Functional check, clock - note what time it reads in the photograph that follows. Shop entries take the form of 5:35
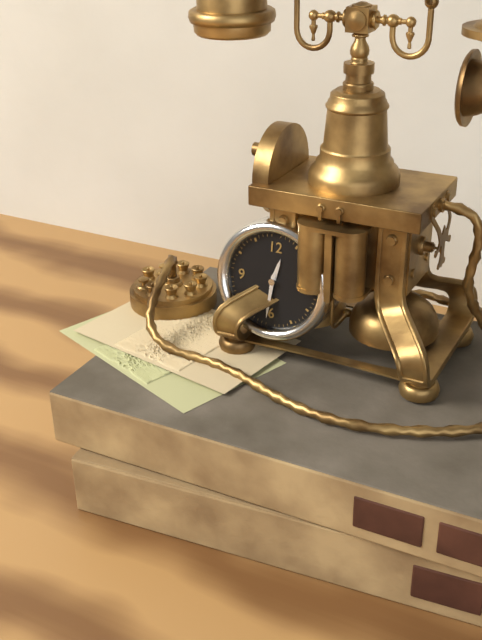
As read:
12:31
